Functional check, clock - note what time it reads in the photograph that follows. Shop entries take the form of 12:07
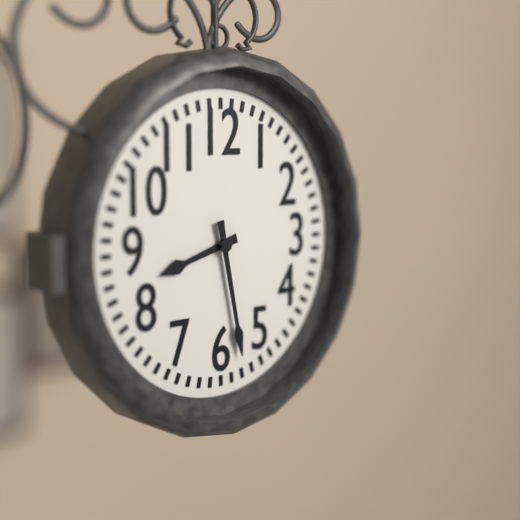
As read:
8:28
